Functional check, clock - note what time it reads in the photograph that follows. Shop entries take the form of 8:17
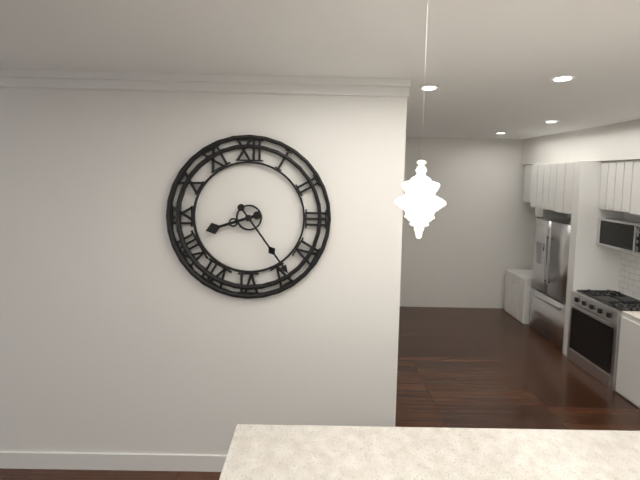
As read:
8:24
